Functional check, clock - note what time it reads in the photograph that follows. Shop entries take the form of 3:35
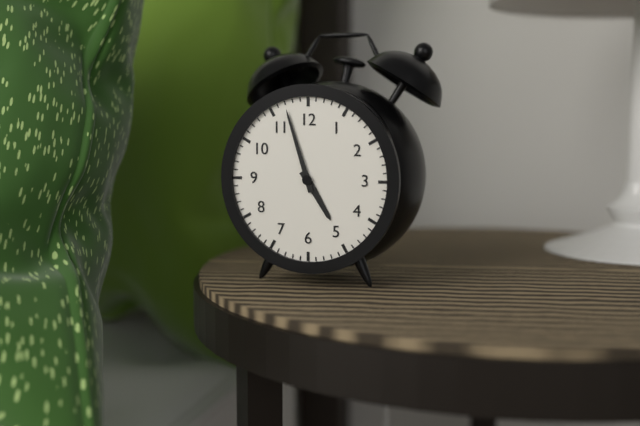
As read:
4:57
